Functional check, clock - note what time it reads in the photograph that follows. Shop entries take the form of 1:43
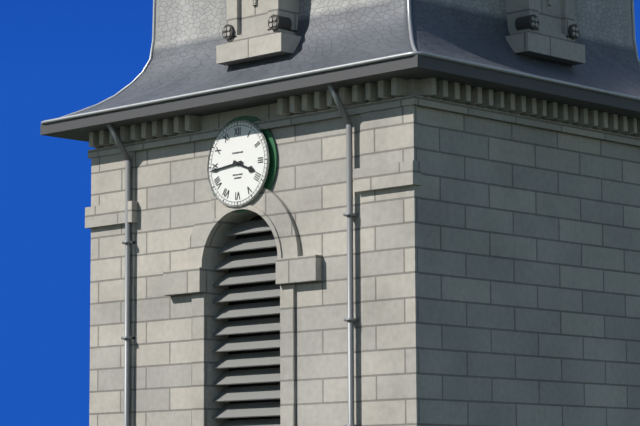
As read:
3:44
